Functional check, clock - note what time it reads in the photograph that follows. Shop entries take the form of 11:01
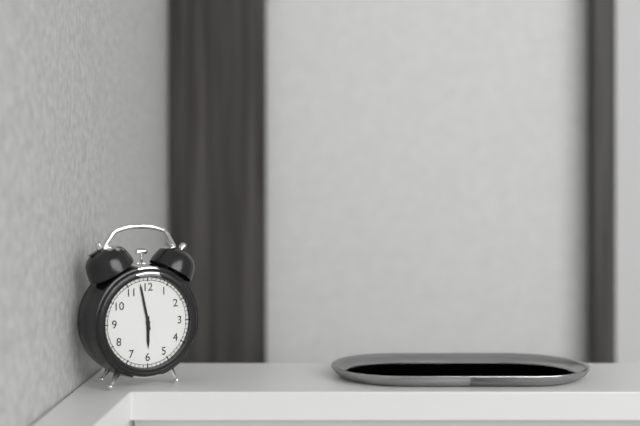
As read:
5:58
